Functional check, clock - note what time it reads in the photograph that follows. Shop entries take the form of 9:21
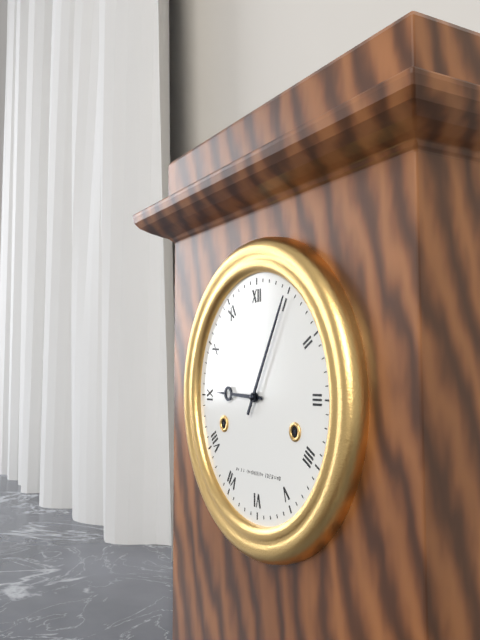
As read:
9:05
